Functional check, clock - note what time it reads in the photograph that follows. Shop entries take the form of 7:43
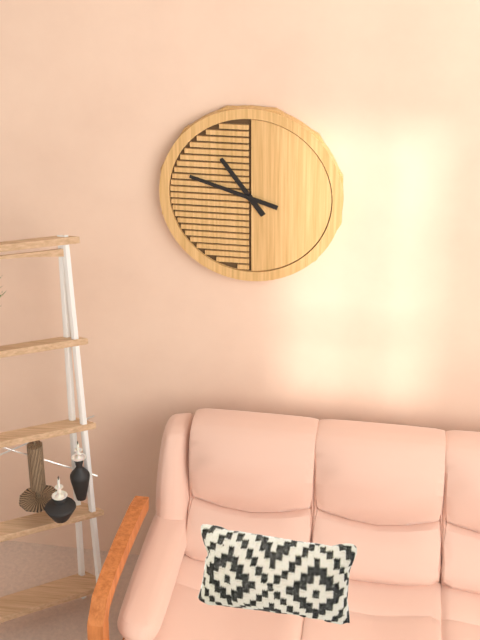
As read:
10:48
